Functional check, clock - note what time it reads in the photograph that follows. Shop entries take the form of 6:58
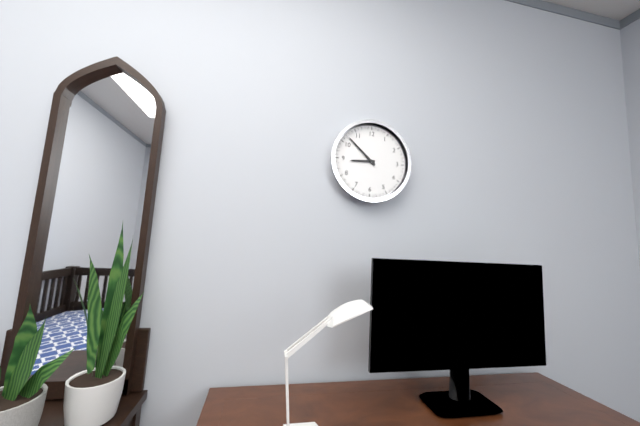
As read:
8:52
